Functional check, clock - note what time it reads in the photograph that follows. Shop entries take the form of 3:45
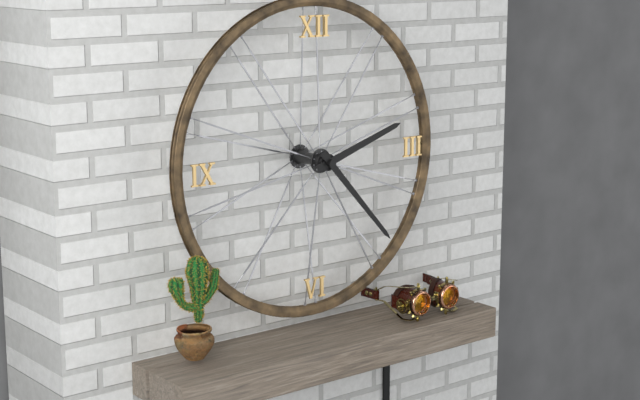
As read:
2:23
